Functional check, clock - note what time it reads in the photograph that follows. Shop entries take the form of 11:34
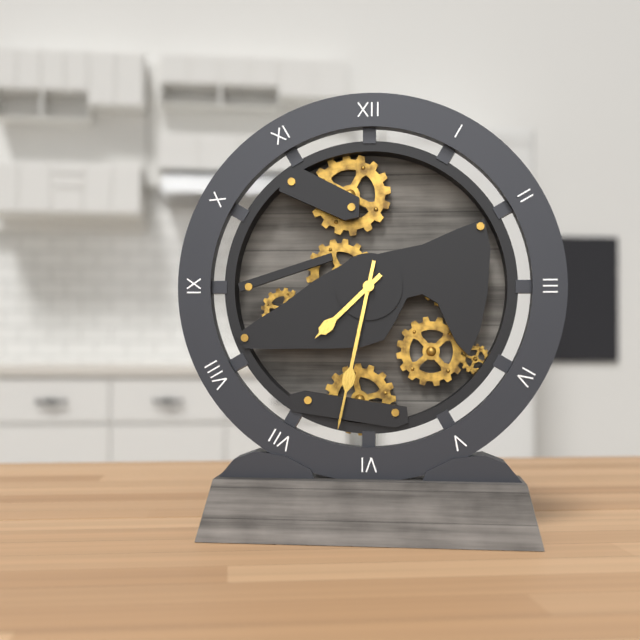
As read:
7:32
